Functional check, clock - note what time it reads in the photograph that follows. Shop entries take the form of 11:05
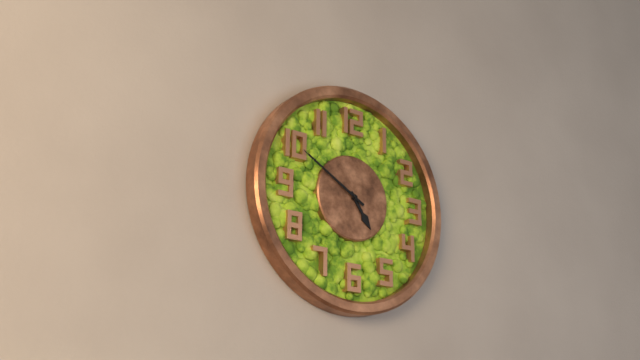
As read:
4:50
